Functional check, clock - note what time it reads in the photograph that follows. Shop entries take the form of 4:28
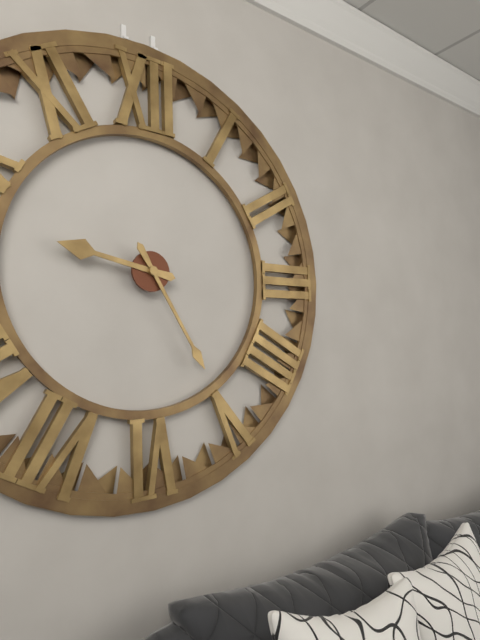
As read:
9:25
